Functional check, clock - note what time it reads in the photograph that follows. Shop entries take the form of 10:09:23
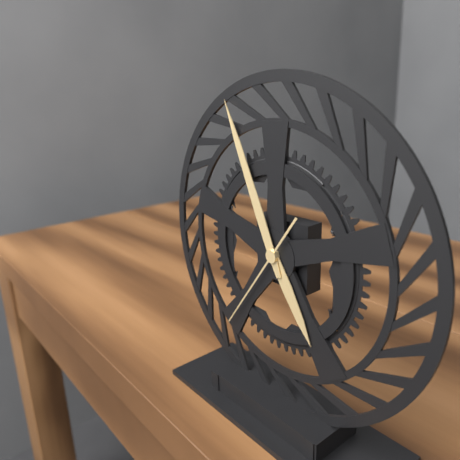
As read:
4:56:36
